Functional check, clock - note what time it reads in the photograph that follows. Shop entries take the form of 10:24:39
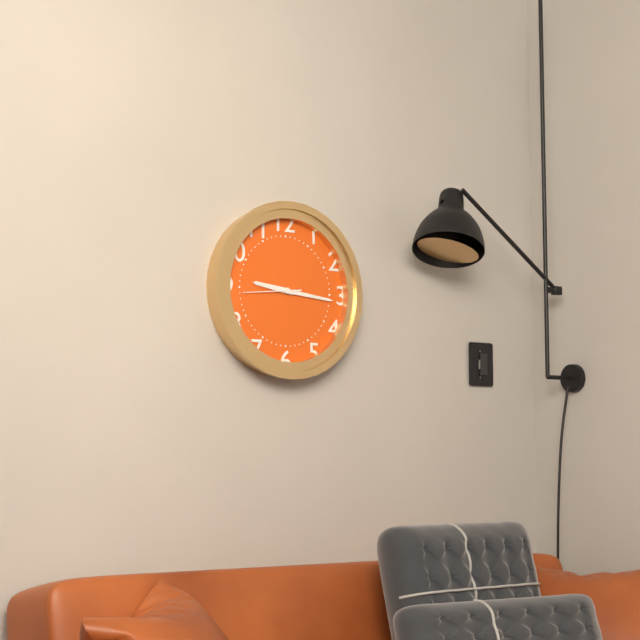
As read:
9:16:44
